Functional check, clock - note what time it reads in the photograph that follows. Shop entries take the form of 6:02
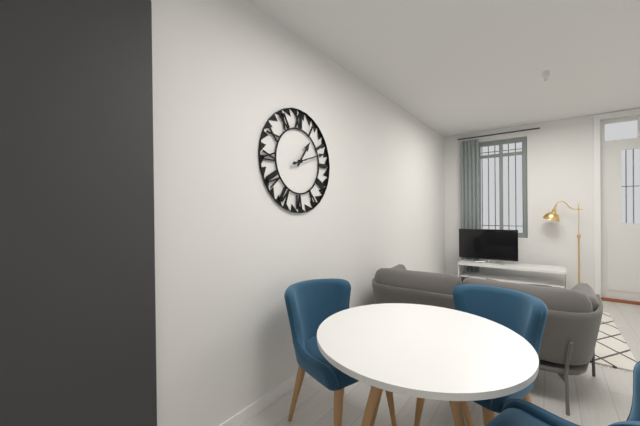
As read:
1:12
